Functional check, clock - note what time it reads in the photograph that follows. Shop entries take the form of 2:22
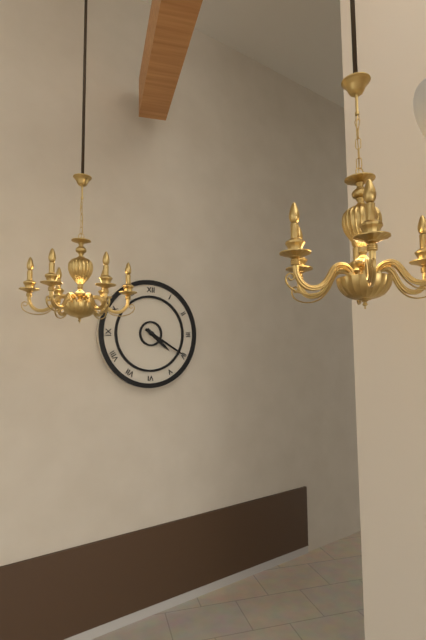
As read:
4:20
